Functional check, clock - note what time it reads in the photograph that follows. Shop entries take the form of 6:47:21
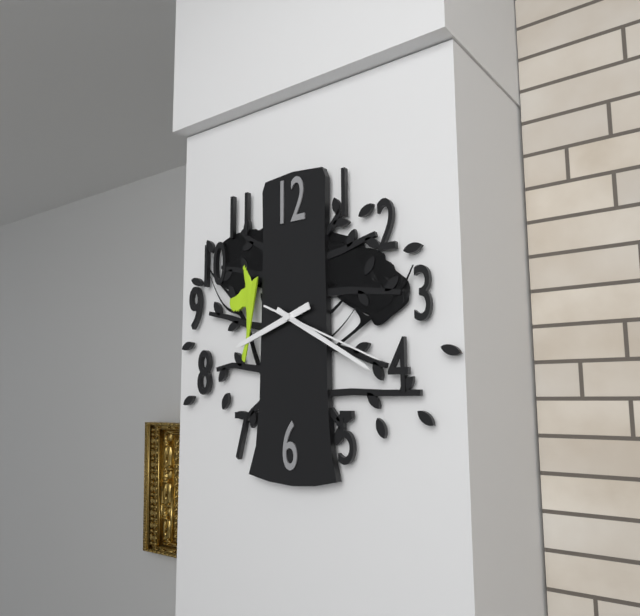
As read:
8:20:19
